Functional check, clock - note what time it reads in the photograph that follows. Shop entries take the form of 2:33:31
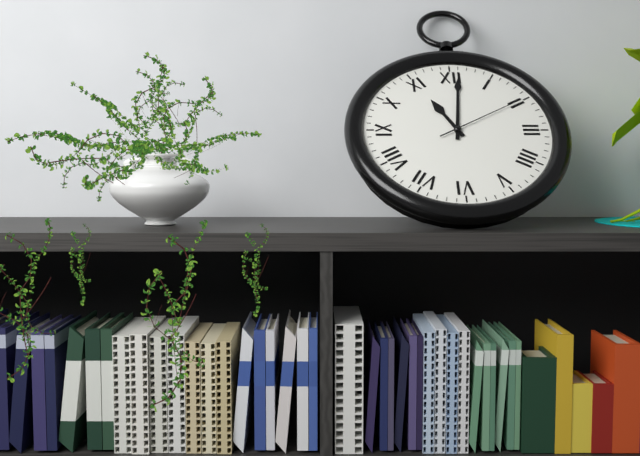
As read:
11:01:10
